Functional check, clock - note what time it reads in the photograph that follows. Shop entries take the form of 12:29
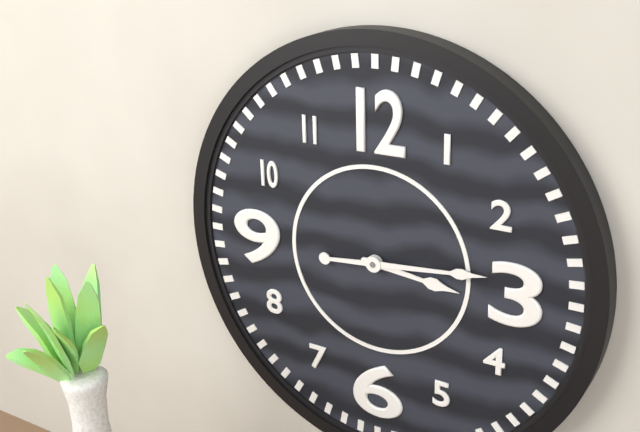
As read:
3:14
